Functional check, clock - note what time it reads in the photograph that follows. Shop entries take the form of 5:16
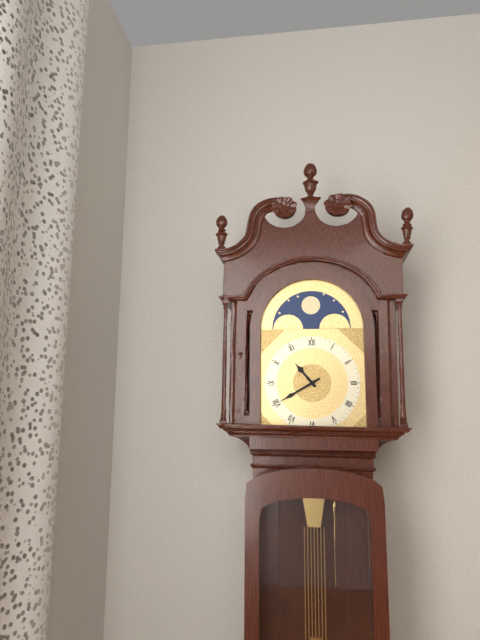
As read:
10:40
